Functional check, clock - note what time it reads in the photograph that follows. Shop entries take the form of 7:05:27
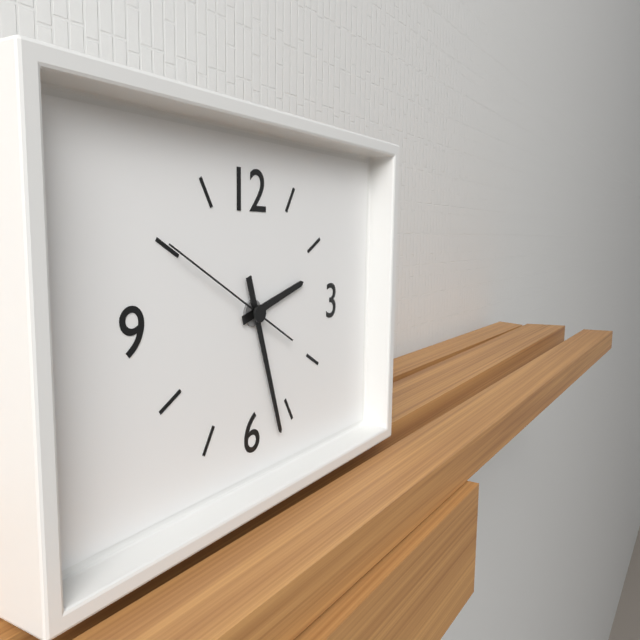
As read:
2:27:50
